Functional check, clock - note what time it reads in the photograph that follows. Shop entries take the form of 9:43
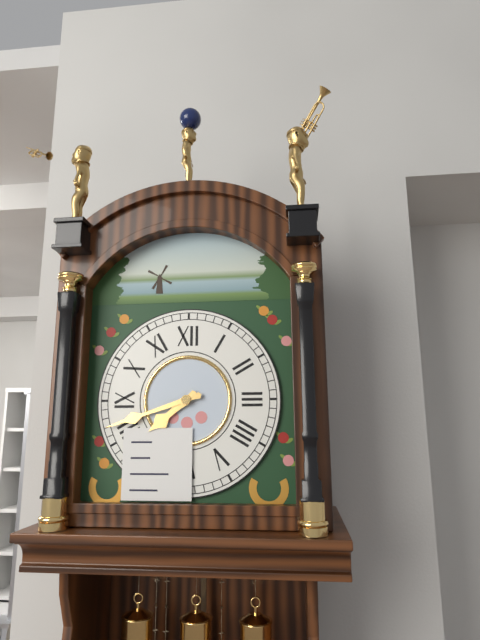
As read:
7:42
